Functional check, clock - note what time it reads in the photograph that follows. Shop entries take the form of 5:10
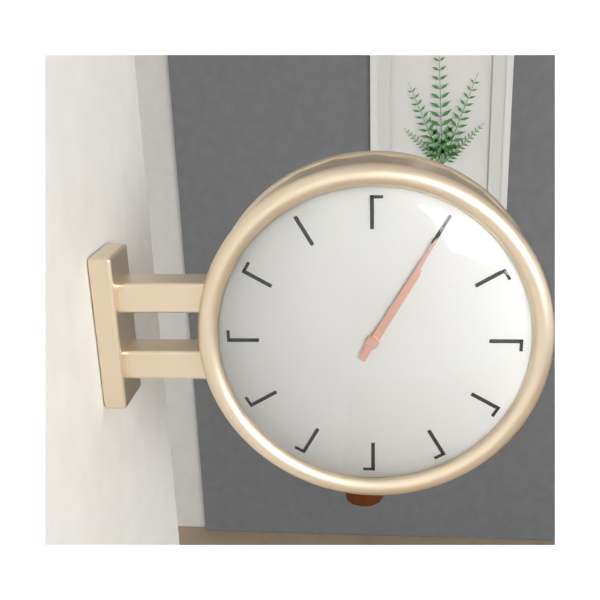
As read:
1:05
